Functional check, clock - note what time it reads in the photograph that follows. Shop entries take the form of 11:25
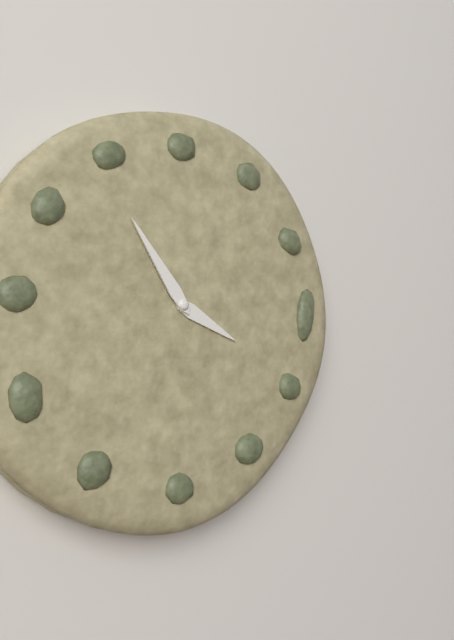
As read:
3:54
